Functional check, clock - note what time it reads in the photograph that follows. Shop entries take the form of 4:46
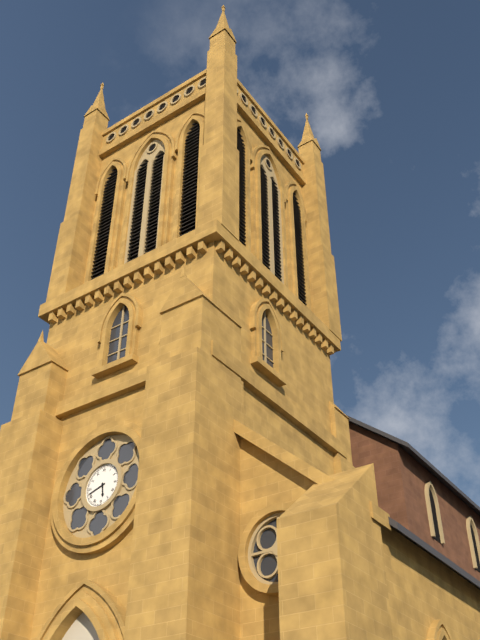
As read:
5:42
